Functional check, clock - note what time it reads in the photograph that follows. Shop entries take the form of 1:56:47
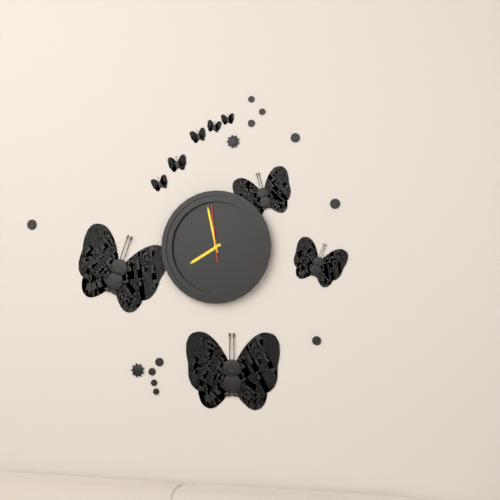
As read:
7:58:59
